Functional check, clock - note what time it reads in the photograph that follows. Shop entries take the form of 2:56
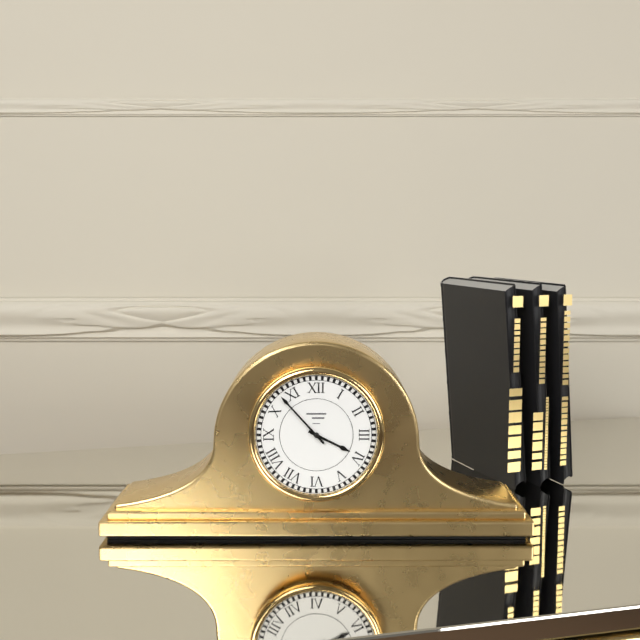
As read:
3:53
